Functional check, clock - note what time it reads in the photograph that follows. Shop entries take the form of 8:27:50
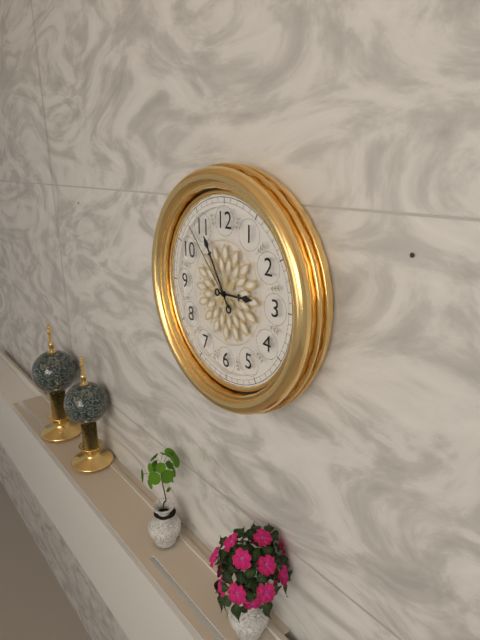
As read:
2:55:53
